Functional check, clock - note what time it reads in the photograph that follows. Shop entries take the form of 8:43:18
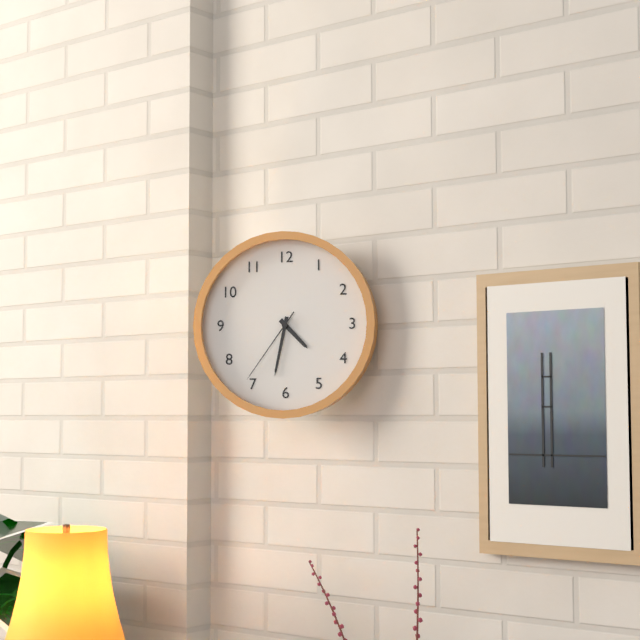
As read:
4:32:36
